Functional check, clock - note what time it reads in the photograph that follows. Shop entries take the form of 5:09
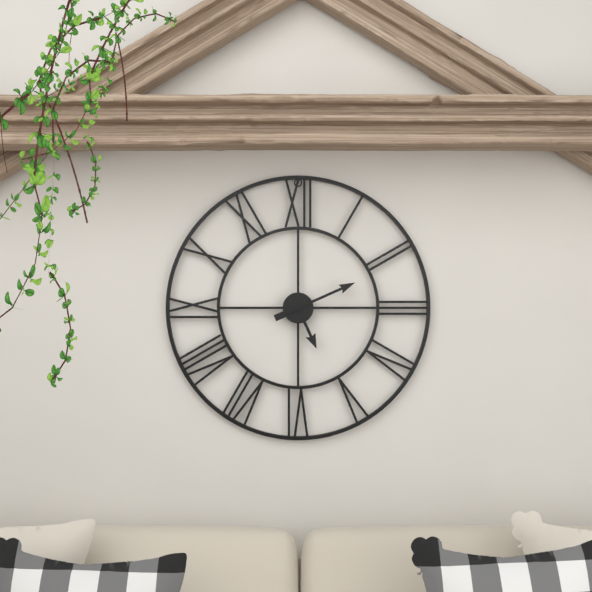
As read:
5:11
